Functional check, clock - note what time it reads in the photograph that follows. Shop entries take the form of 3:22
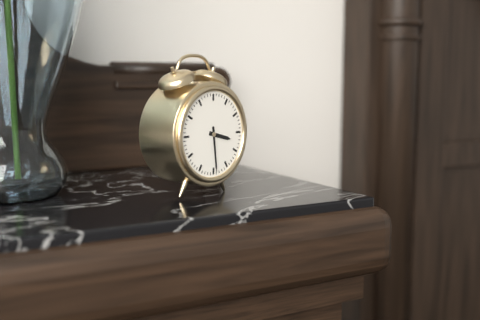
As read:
3:29
